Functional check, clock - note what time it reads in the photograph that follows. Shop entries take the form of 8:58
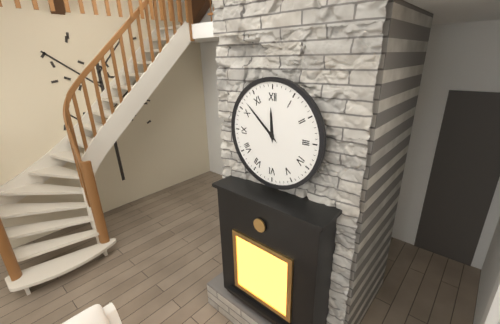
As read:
11:52
